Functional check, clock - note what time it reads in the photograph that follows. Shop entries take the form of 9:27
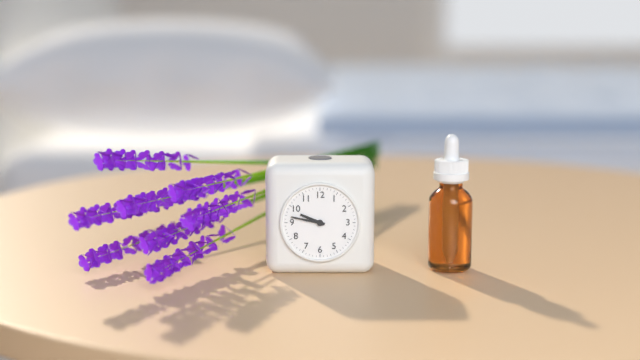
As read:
9:47
